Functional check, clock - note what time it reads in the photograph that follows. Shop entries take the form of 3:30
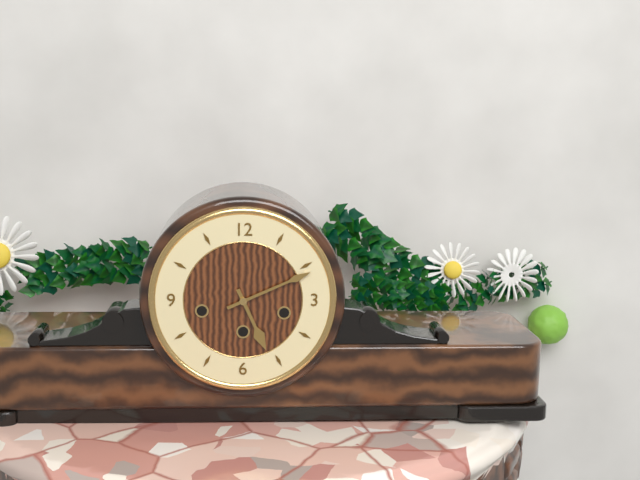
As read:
5:11
